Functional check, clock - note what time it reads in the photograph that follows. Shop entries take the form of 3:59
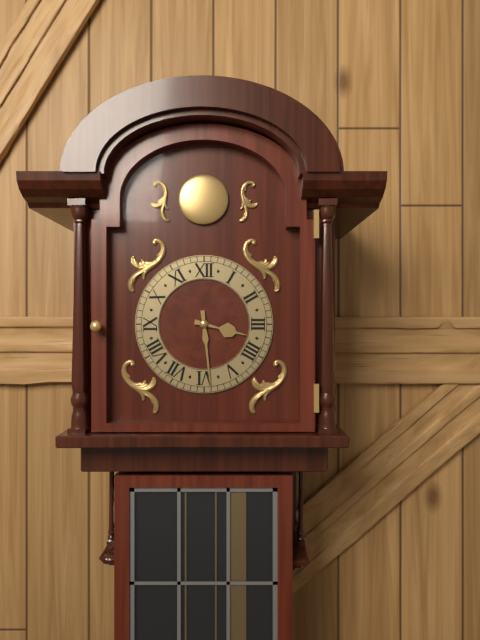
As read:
3:29
